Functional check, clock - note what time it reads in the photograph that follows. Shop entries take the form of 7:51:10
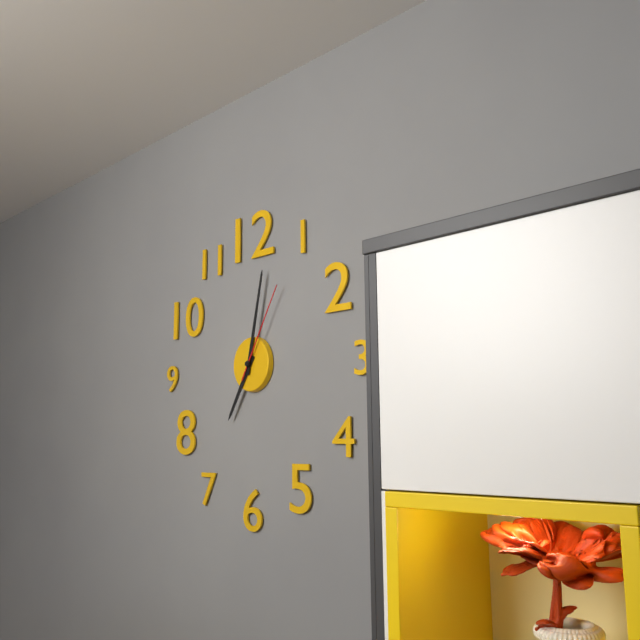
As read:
7:02:05
